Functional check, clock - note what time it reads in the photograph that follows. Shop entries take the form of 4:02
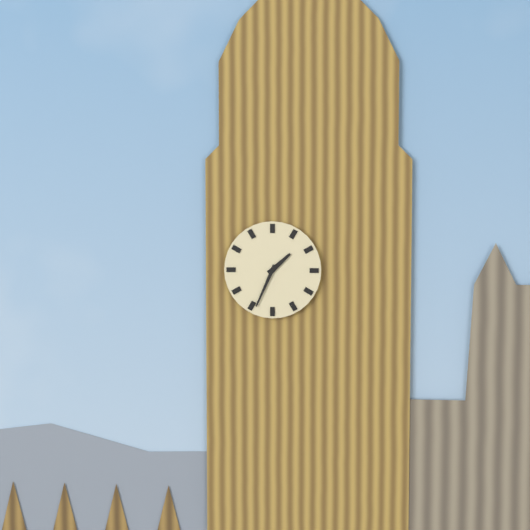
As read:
1:34
